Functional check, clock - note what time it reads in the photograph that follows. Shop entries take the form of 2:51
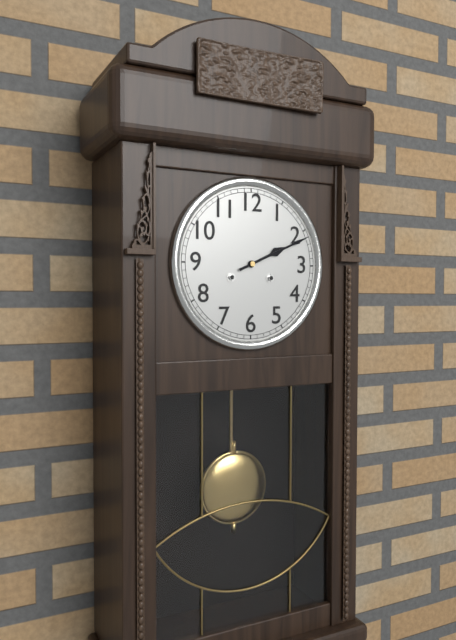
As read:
2:11
